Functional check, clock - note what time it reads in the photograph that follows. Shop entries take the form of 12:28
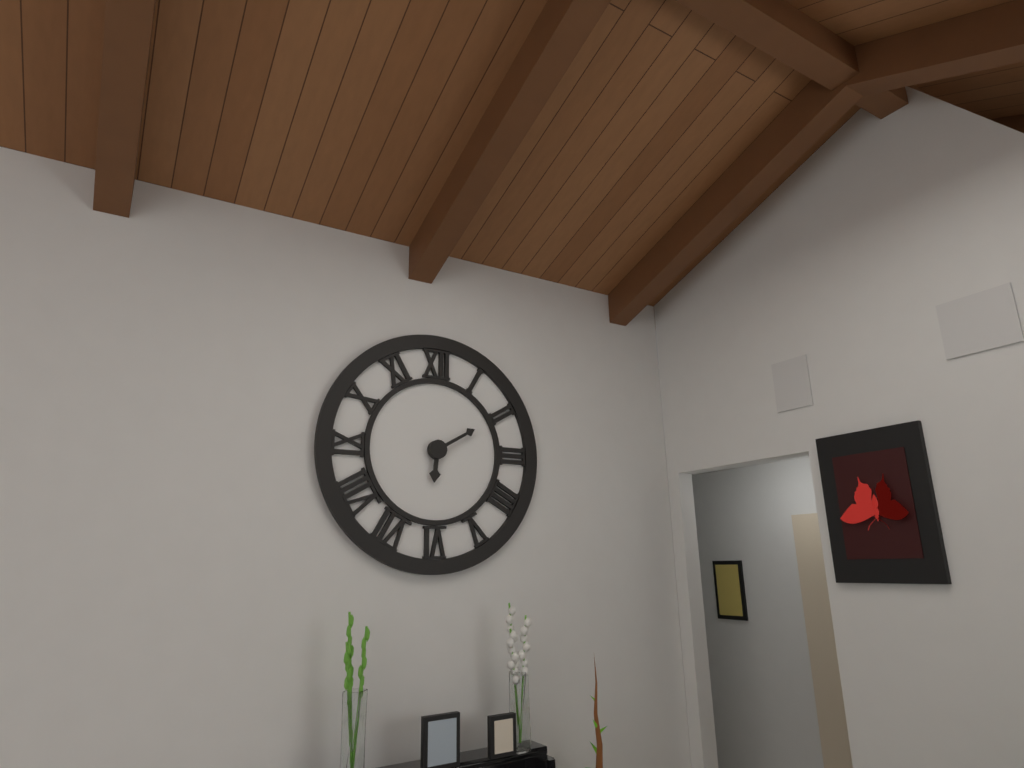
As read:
6:10
